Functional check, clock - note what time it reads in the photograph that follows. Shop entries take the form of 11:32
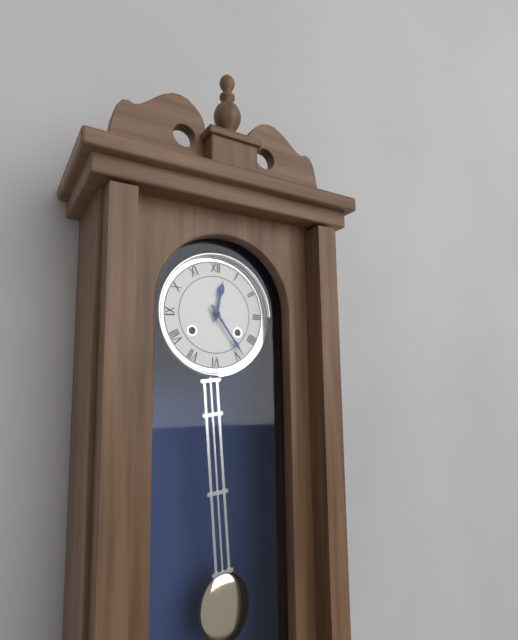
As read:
12:24
